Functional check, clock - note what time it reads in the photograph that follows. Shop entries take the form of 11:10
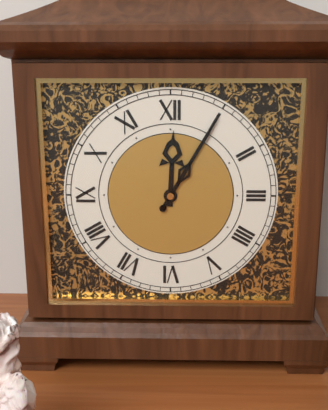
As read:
12:05
